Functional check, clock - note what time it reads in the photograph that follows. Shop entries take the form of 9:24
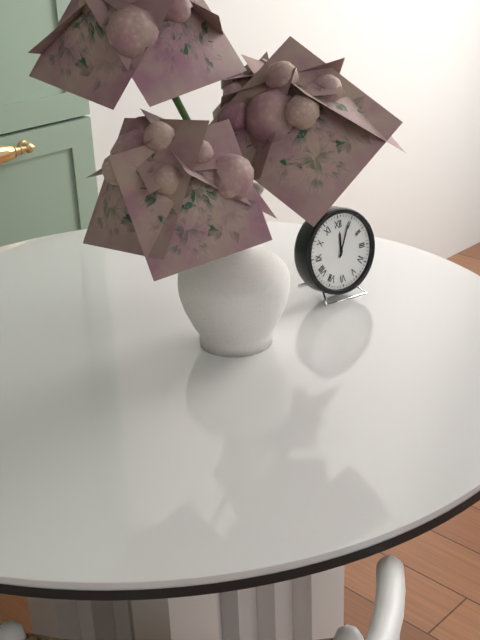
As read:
12:04
